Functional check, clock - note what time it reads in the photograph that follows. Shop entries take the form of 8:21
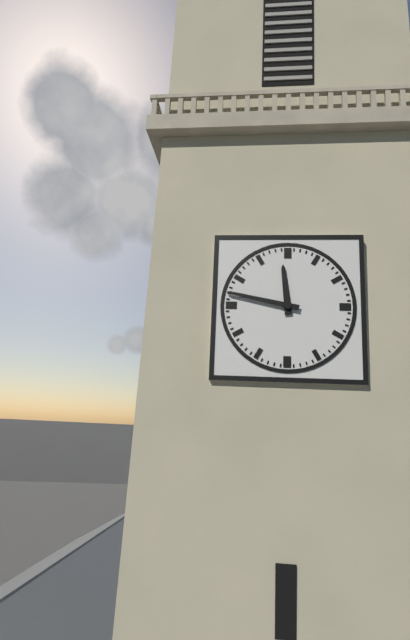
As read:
11:47
